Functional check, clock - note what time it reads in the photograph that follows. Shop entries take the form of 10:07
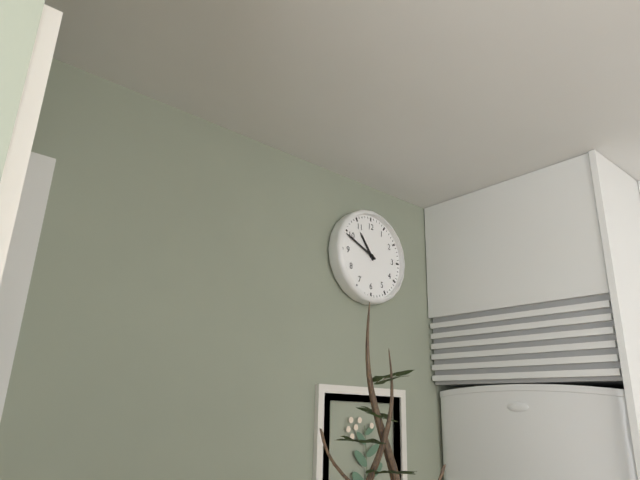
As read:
10:49
